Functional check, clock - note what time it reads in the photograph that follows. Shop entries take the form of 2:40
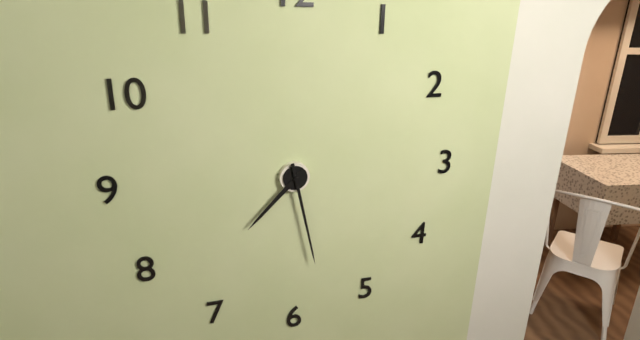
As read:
7:28
